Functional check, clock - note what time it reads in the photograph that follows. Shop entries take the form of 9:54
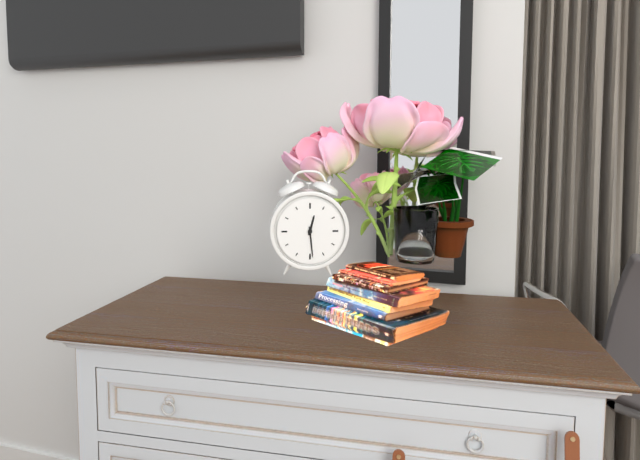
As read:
12:29
